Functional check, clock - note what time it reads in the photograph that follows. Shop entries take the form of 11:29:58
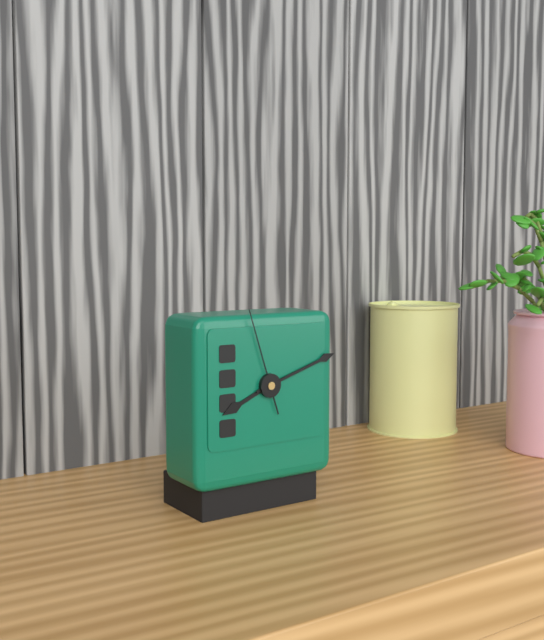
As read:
8:12:57
